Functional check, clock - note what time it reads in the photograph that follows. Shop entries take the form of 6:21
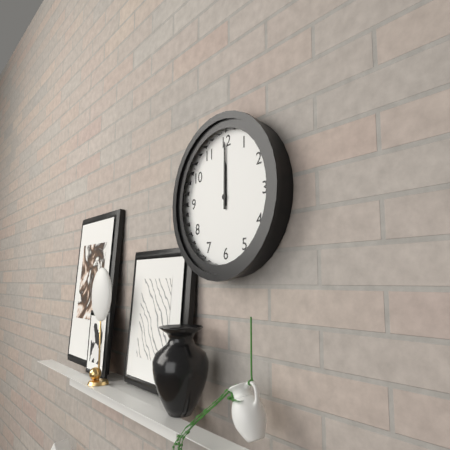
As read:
12:00
